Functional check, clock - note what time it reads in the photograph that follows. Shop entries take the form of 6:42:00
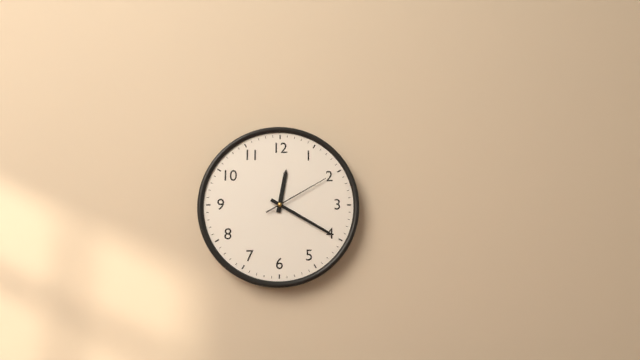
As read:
12:20:10
